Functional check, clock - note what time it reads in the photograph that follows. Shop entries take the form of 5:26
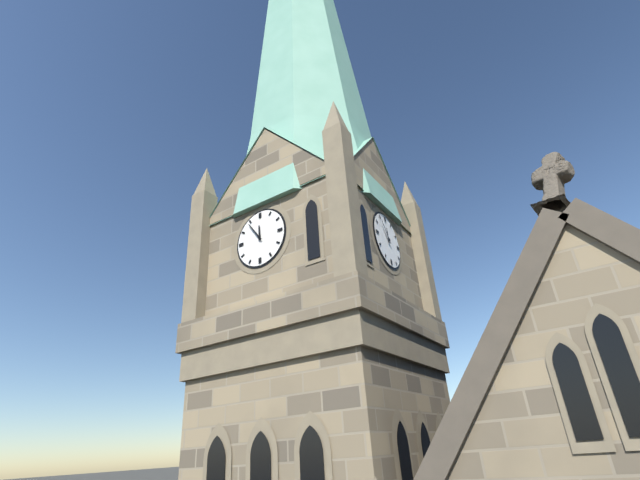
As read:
11:54
